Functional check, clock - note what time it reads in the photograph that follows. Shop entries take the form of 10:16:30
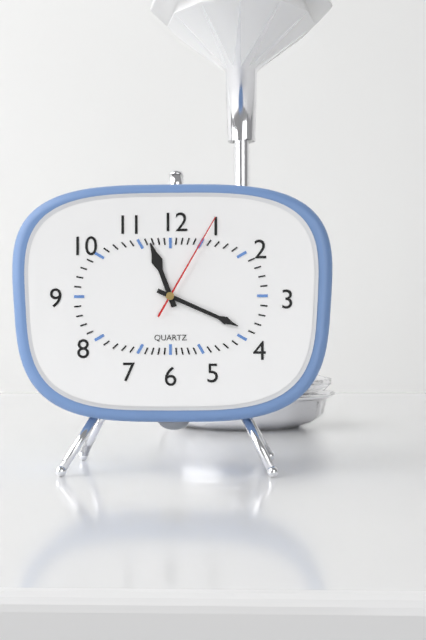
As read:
11:19:05
